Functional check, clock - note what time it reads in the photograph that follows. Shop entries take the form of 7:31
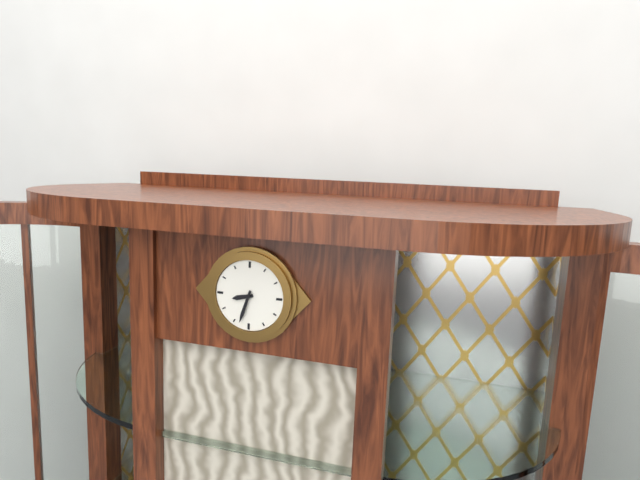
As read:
8:33
